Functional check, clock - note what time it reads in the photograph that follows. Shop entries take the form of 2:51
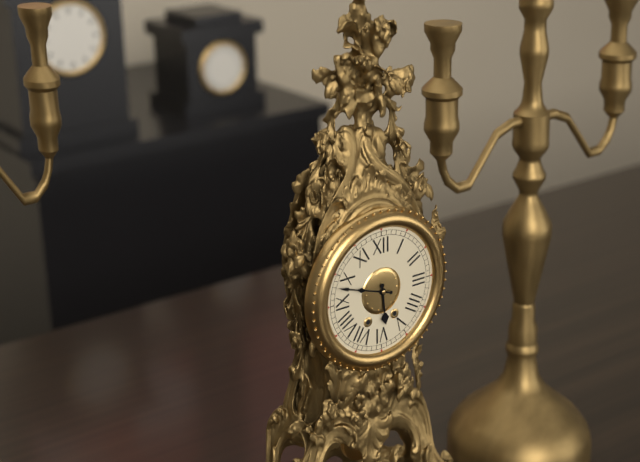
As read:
5:48
